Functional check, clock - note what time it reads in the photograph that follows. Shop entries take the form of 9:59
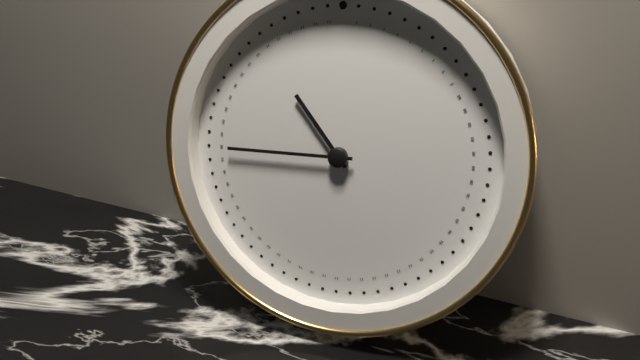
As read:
10:45
